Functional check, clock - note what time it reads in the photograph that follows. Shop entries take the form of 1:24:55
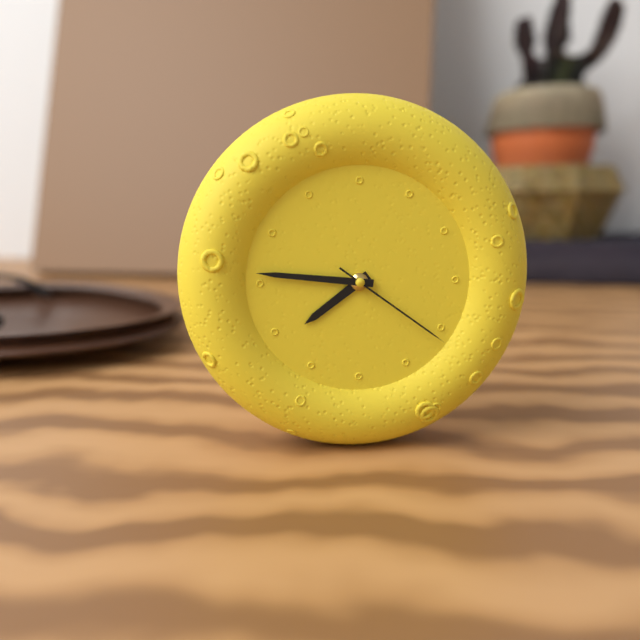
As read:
7:46:21
